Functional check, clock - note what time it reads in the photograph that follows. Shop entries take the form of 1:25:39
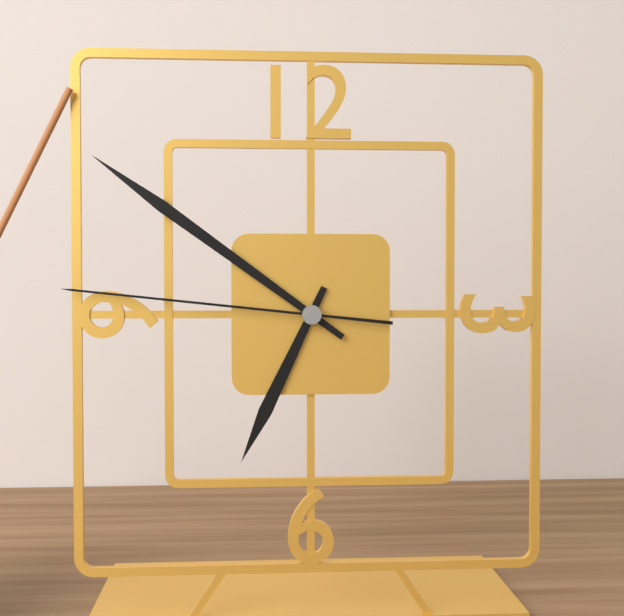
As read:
6:51:46
